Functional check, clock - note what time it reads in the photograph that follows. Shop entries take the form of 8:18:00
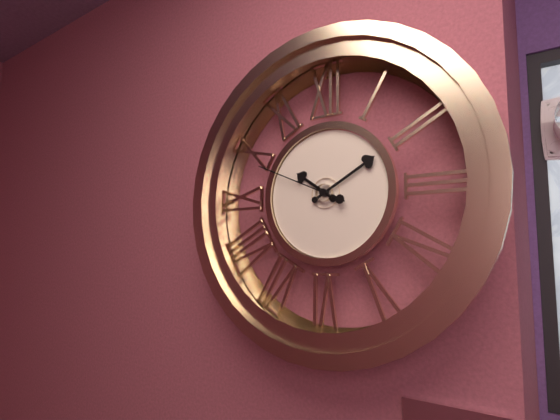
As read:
10:10:49
